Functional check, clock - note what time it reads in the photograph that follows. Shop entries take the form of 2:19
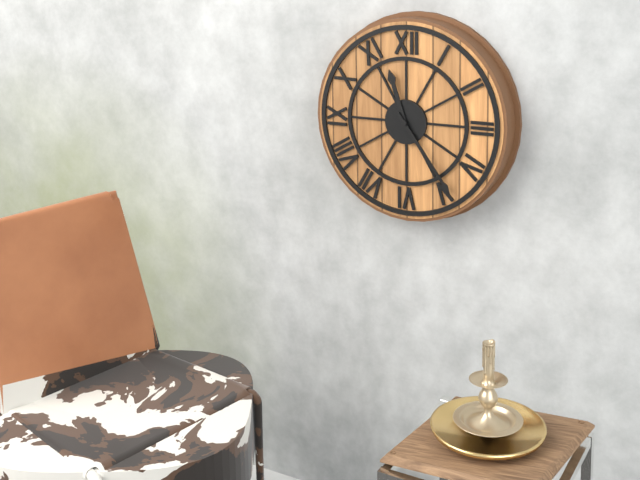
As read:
11:24
